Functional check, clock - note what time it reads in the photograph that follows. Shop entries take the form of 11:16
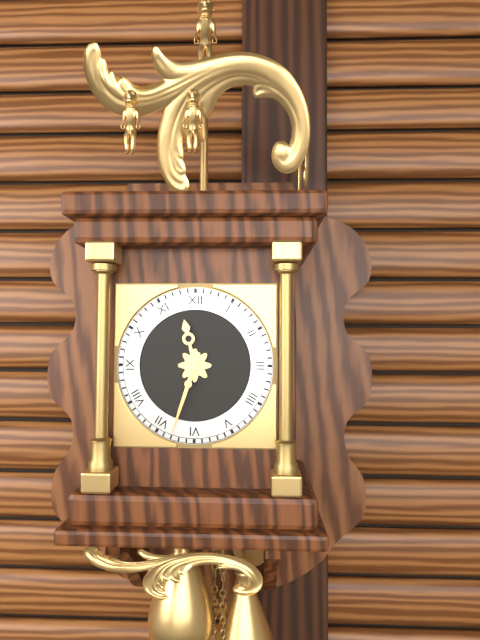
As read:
11:33
